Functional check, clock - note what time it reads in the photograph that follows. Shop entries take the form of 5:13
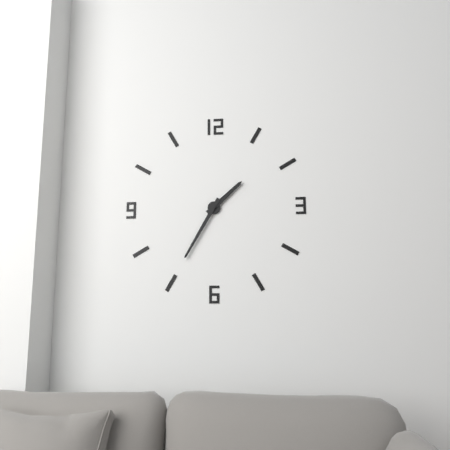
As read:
1:35
